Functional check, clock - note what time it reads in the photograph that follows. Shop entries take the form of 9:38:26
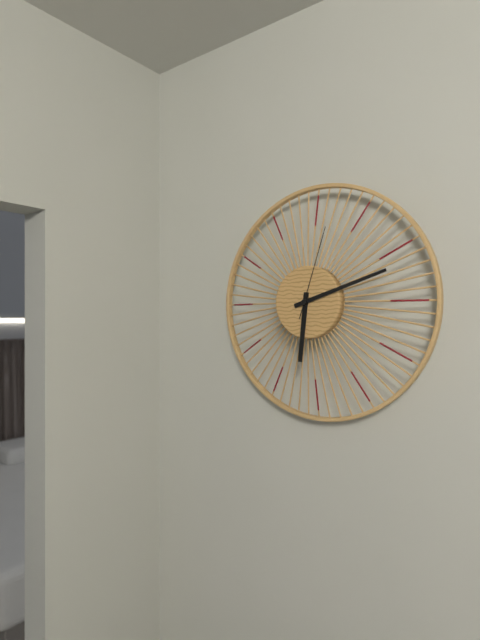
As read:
6:12:03
